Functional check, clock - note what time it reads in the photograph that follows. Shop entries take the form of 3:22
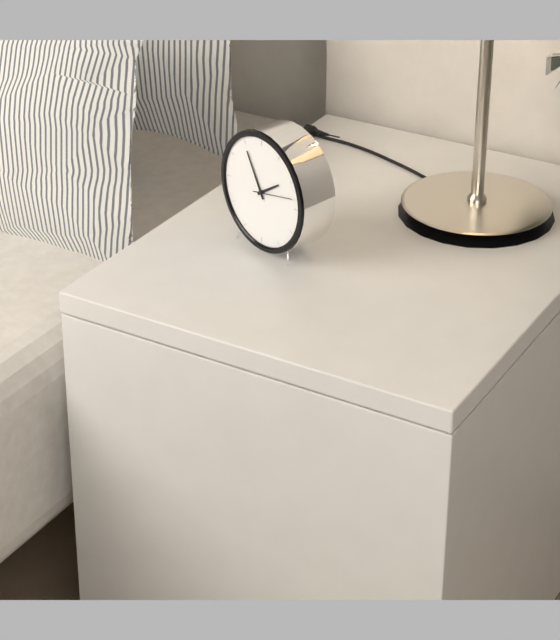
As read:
1:55
